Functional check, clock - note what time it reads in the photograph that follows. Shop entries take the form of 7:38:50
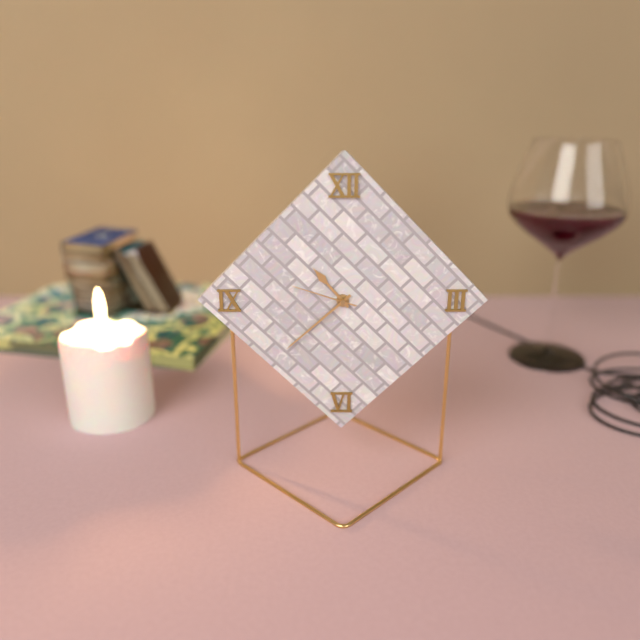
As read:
10:38:48
